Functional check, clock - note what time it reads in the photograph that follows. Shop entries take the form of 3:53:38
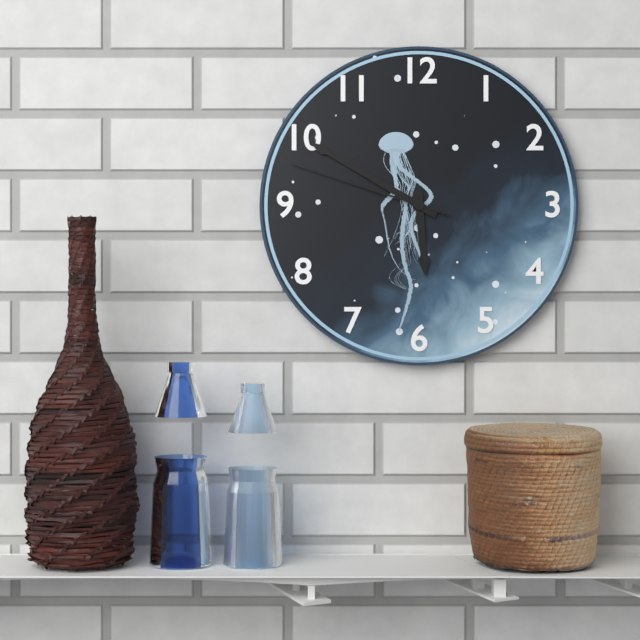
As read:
5:50:48
